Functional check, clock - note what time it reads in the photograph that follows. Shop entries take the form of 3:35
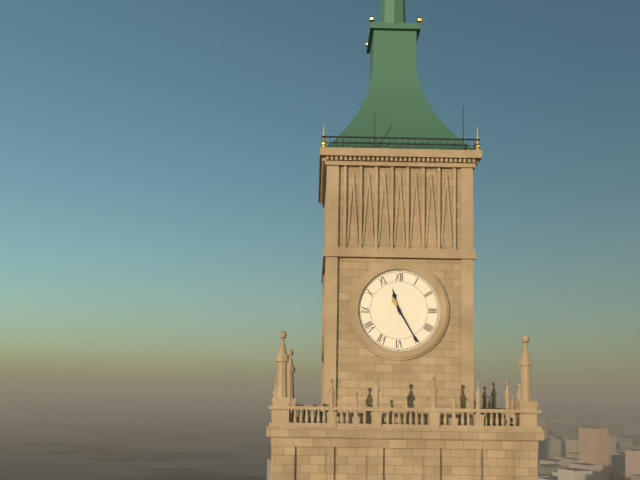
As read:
11:25
